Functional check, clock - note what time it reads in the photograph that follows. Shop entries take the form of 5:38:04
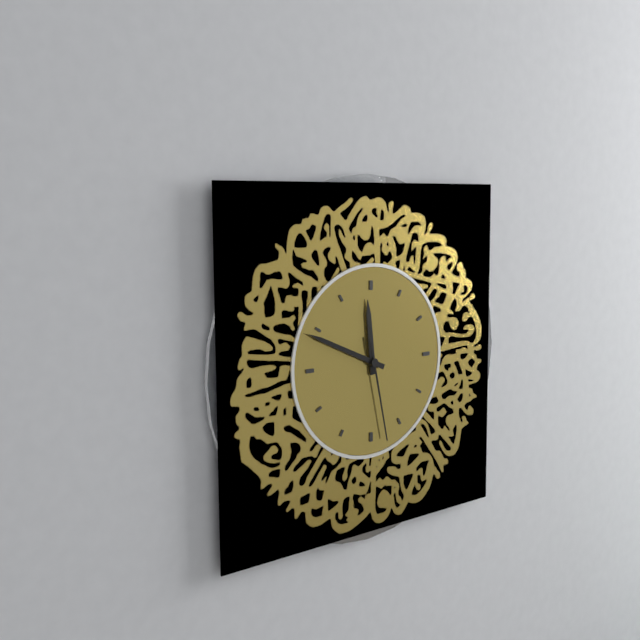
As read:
11:49:28
